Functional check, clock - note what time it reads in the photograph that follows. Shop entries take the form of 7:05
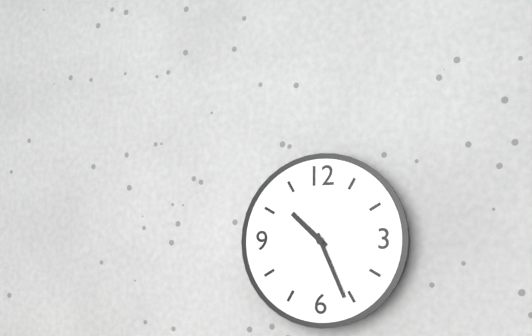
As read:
10:26
